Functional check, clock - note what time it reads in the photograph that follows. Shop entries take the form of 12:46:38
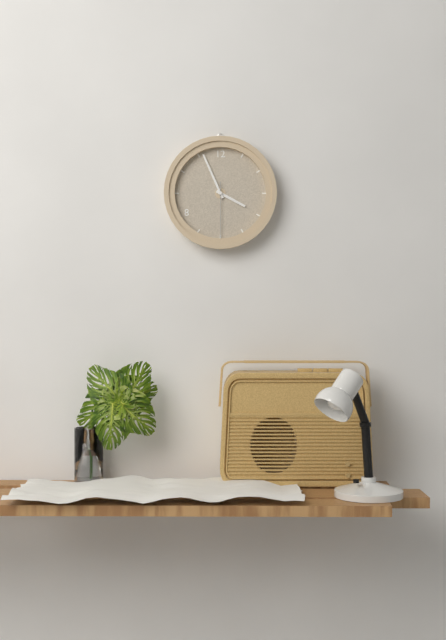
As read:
3:56:30
